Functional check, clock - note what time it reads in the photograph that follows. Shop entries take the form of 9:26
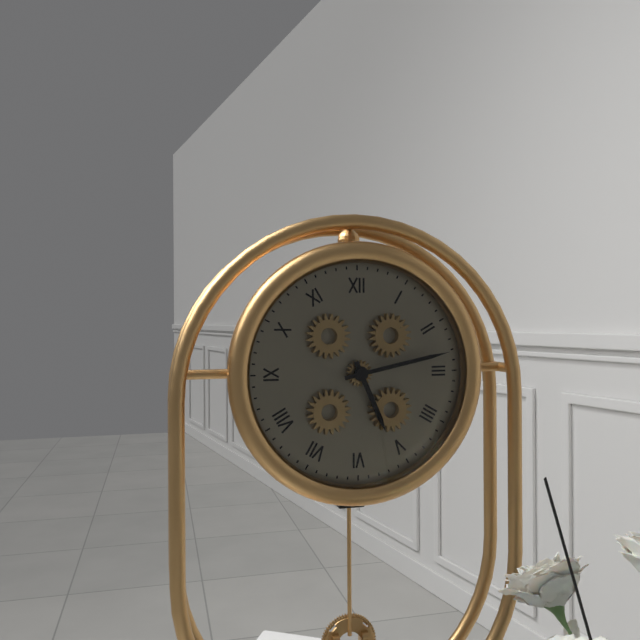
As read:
5:13
